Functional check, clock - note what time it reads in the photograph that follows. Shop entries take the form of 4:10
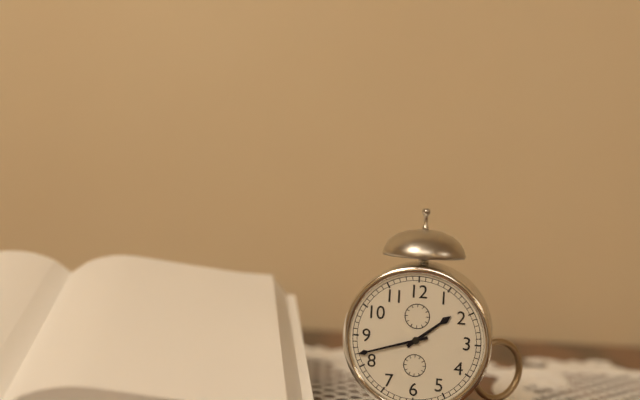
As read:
1:42
